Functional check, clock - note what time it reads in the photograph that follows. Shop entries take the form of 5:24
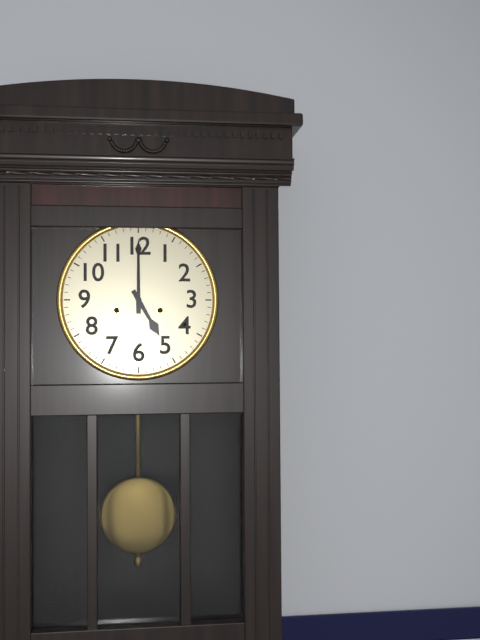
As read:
5:00
